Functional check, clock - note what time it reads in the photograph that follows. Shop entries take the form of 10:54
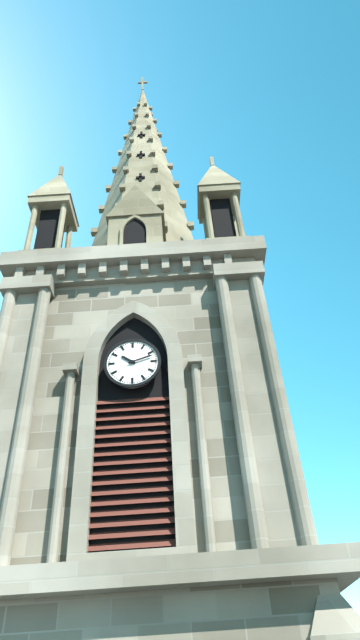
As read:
10:12
